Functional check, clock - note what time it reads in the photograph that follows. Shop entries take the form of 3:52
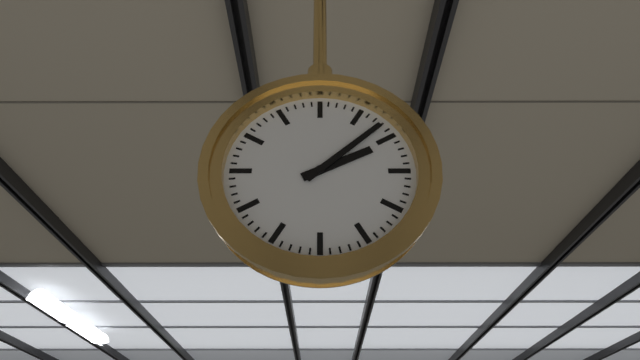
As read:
2:08
